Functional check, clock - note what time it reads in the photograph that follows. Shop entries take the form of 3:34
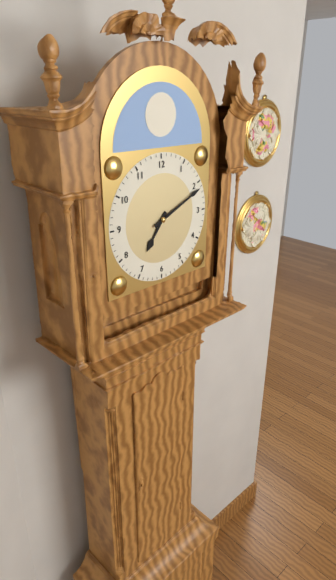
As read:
7:11
